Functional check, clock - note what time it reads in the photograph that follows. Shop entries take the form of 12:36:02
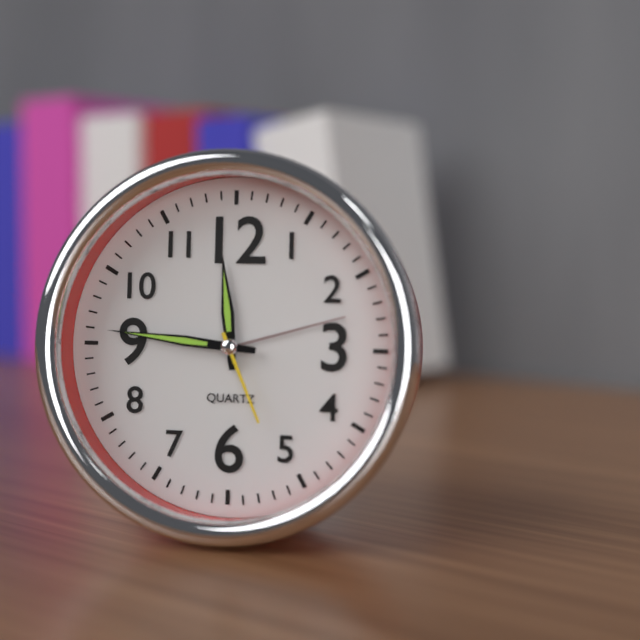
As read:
11:46:26
